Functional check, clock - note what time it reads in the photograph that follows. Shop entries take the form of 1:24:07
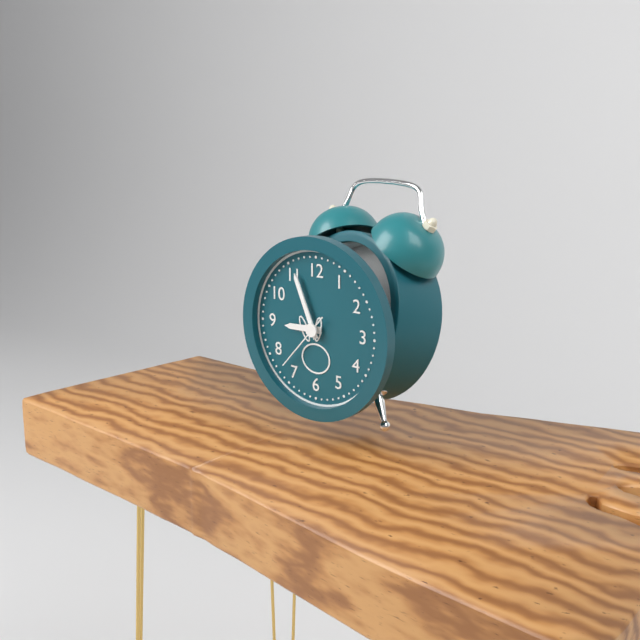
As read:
8:56:37
